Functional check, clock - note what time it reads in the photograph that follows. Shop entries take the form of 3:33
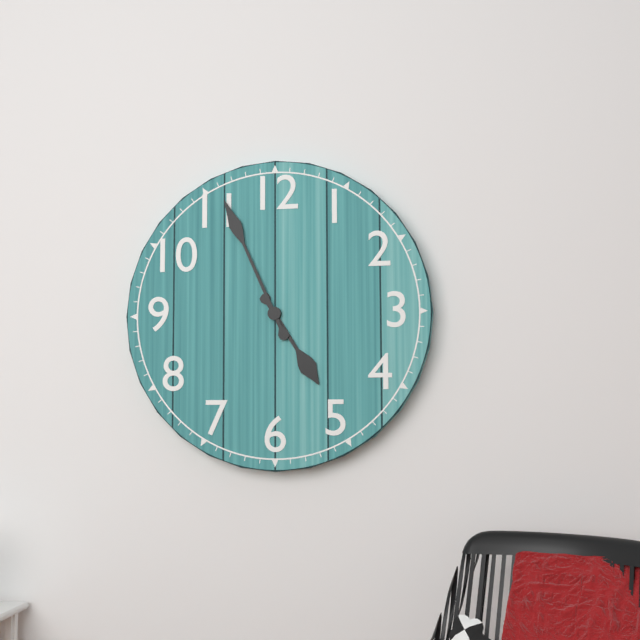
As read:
4:56
